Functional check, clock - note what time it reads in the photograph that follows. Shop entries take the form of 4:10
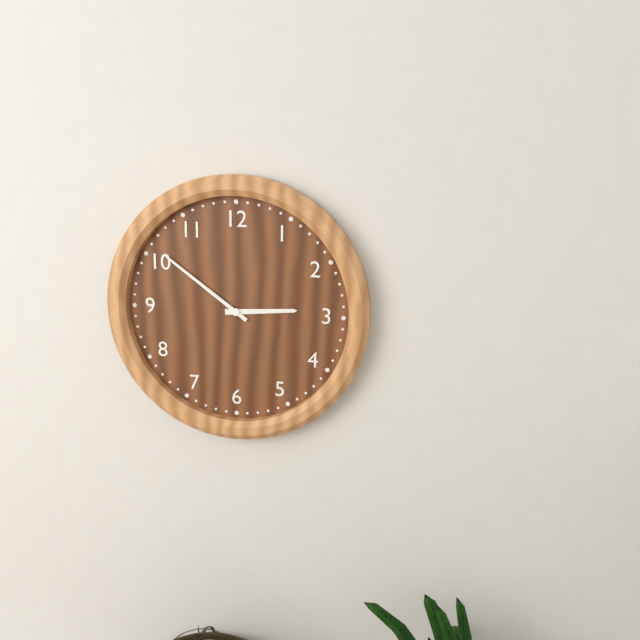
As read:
2:51
